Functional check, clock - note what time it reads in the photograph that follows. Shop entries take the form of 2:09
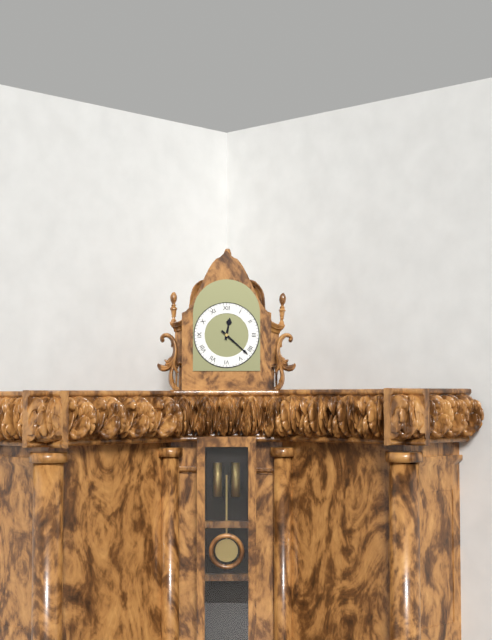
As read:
12:22
